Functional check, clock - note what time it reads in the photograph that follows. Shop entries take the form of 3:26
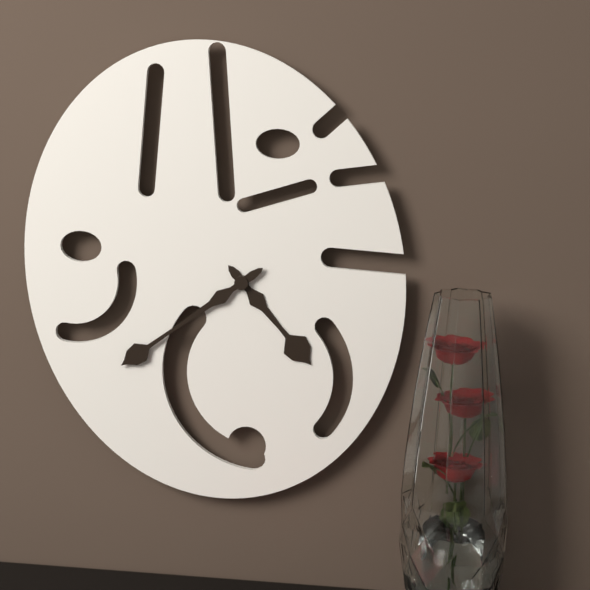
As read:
4:39
